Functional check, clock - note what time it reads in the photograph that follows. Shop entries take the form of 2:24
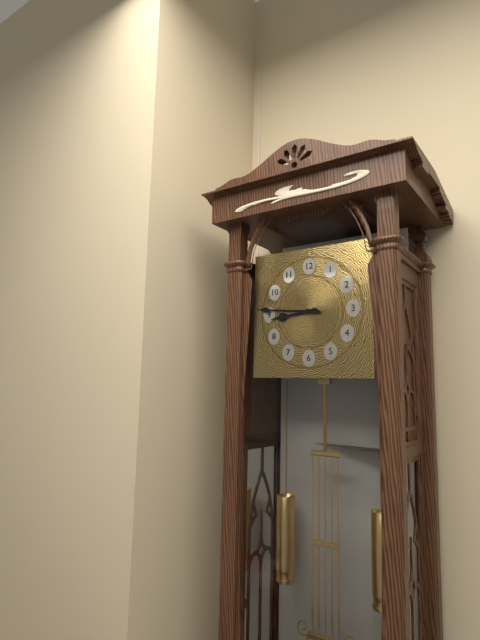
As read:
8:46
